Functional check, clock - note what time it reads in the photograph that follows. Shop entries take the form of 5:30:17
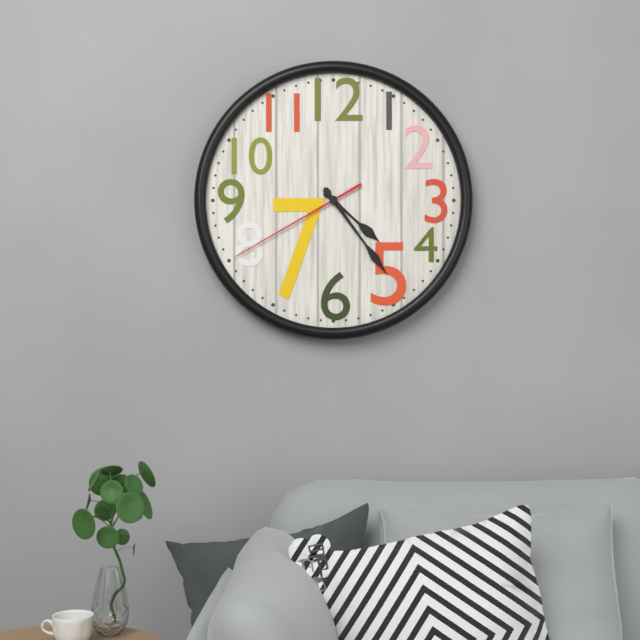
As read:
4:24:40
